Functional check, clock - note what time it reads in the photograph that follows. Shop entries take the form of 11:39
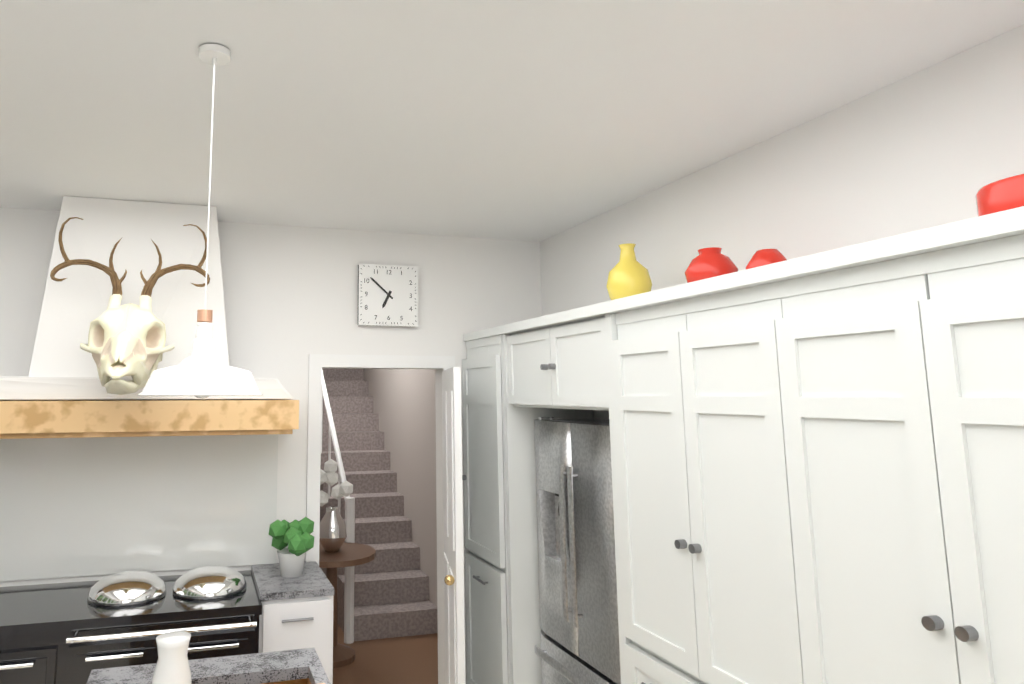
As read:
6:52
